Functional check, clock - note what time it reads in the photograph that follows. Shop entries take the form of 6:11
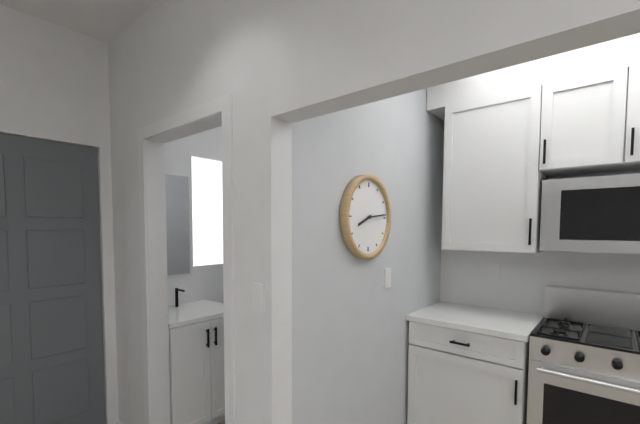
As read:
8:14
